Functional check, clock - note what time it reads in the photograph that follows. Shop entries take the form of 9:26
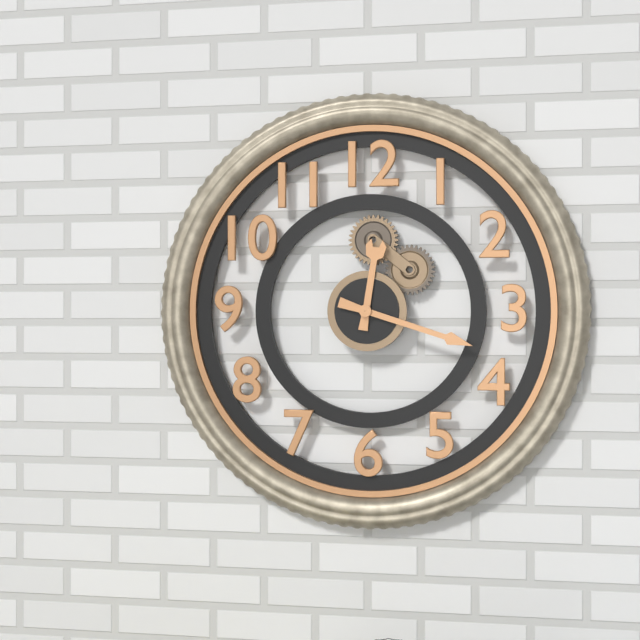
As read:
12:18
